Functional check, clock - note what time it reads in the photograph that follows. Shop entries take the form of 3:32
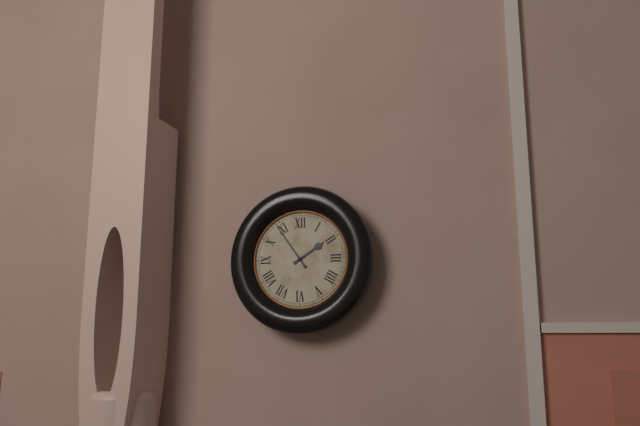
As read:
1:54
